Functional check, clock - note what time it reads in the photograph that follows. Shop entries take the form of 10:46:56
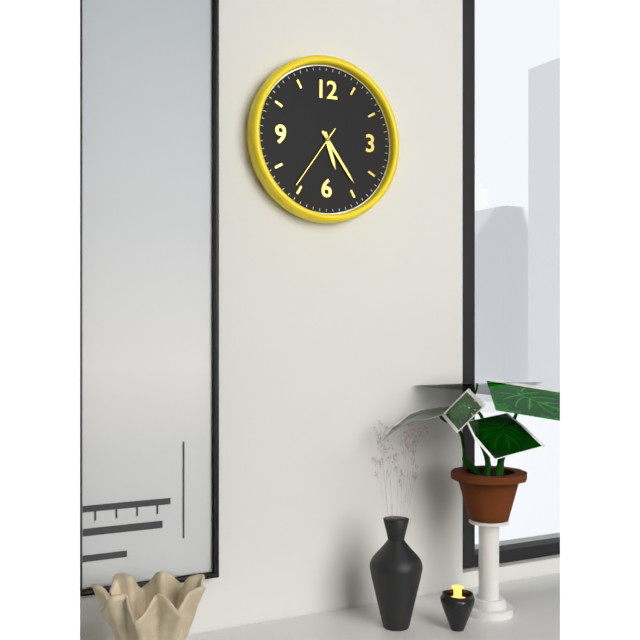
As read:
5:24:36
